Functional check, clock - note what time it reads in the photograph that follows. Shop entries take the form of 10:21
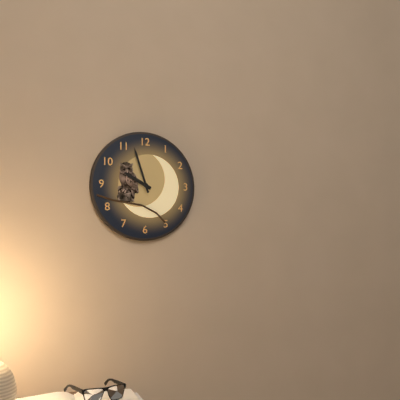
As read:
9:57
